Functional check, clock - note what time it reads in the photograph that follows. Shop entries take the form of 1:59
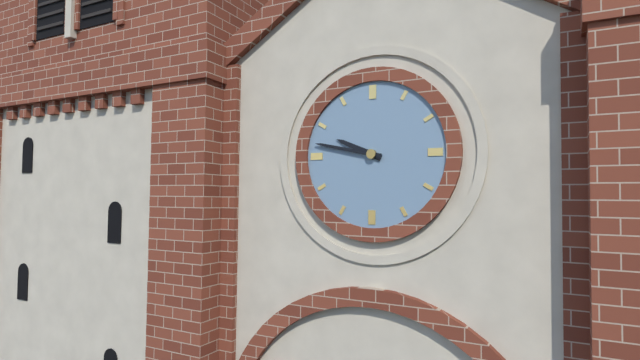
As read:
9:47
